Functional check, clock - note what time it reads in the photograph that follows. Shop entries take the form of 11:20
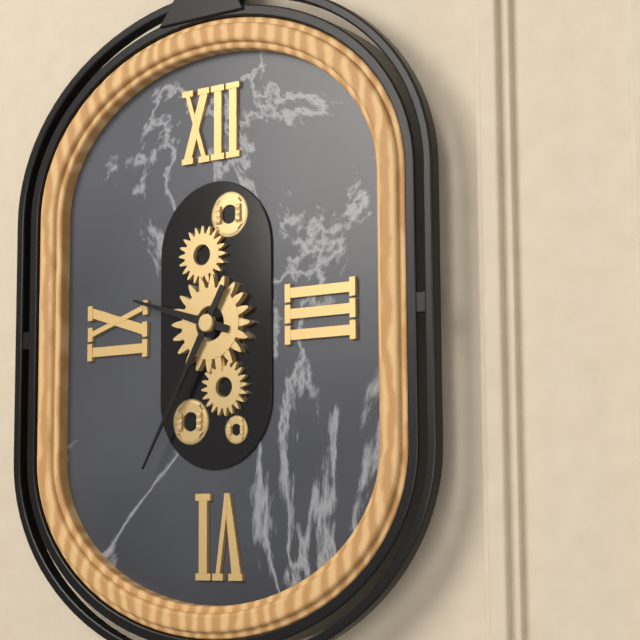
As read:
9:35
